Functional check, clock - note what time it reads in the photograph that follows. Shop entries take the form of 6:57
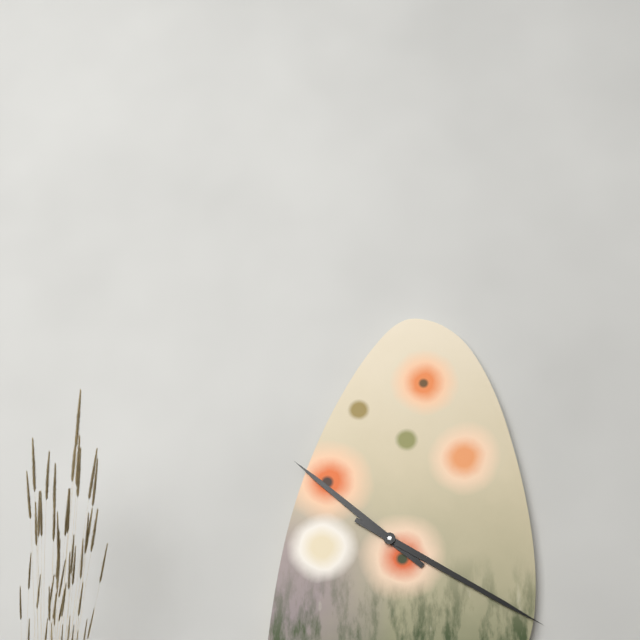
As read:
10:20
